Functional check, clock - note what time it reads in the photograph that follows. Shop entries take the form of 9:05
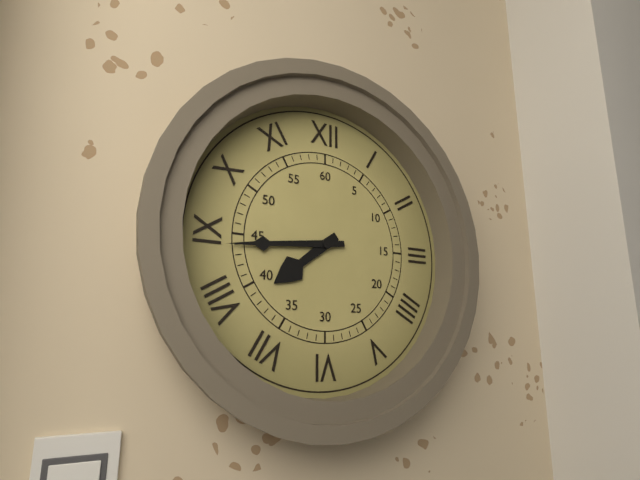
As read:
7:44
